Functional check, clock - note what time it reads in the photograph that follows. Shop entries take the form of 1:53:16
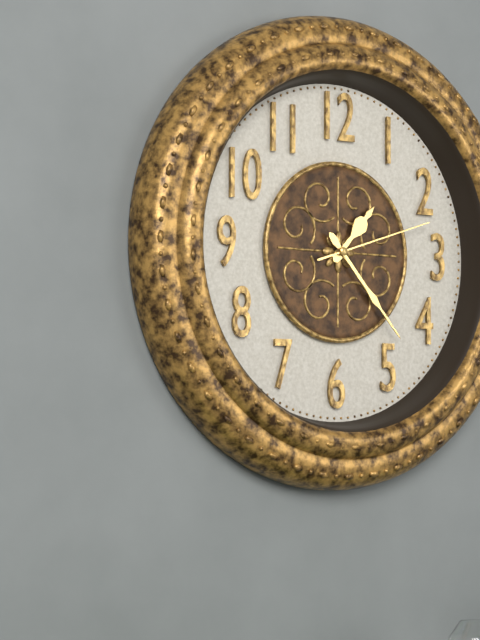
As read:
1:23:12
